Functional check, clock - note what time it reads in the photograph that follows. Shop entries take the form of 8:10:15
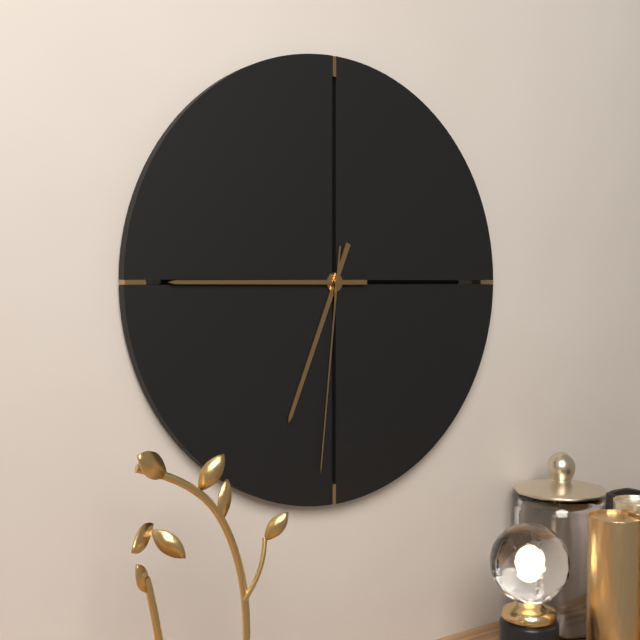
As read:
6:45:31
